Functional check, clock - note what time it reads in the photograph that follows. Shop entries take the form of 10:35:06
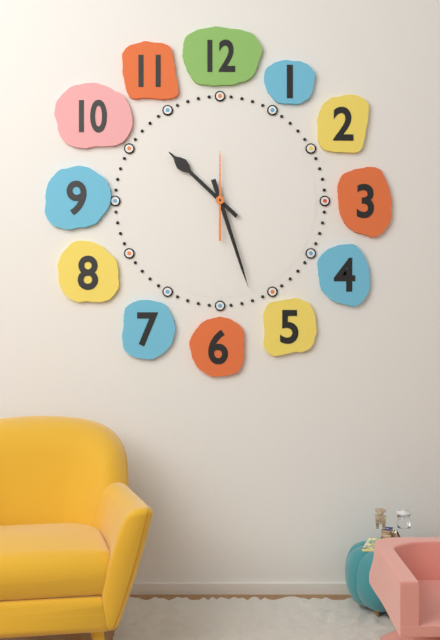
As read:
10:27:00
